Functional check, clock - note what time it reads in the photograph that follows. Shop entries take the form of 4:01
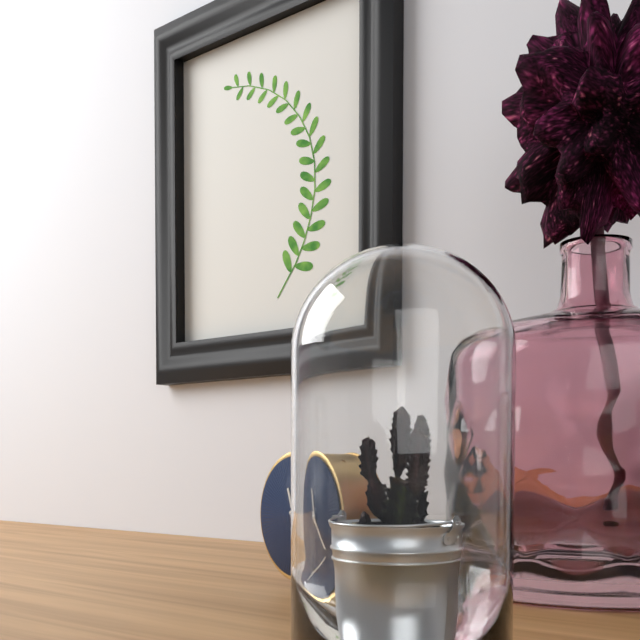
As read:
11:22
